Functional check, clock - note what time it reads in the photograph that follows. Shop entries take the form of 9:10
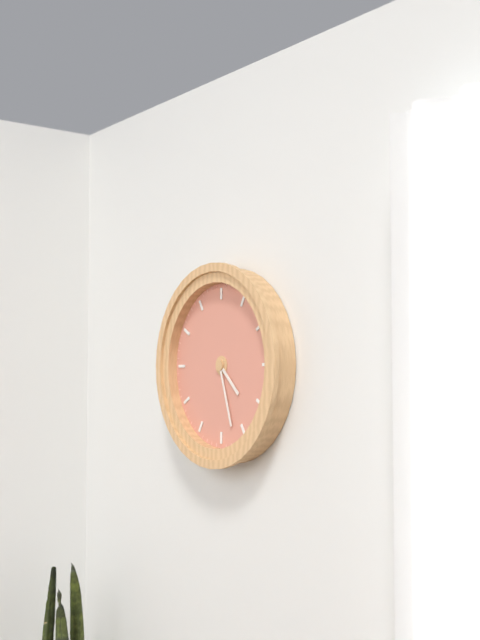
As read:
4:27
